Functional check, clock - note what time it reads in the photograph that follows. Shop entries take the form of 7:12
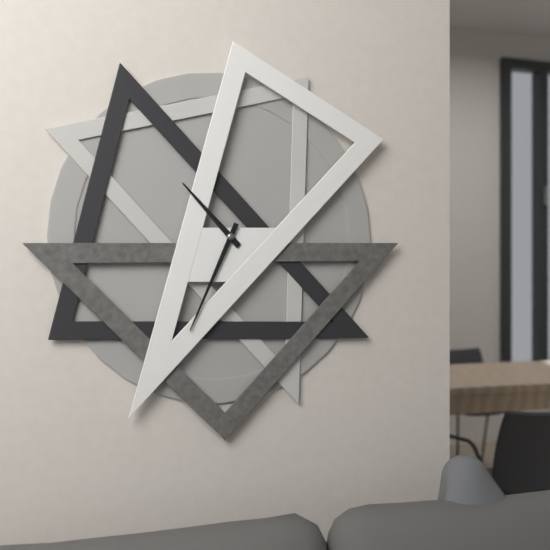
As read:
10:34
